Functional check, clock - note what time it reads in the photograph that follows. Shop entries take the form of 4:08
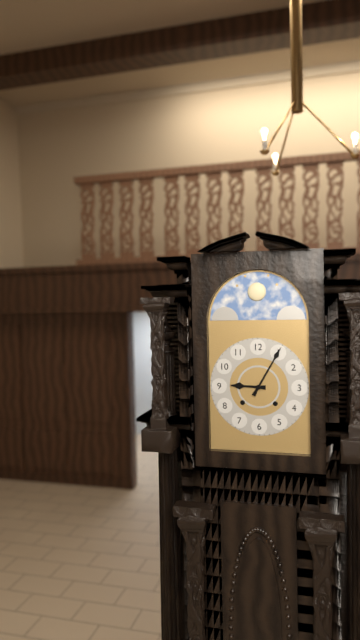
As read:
9:05
